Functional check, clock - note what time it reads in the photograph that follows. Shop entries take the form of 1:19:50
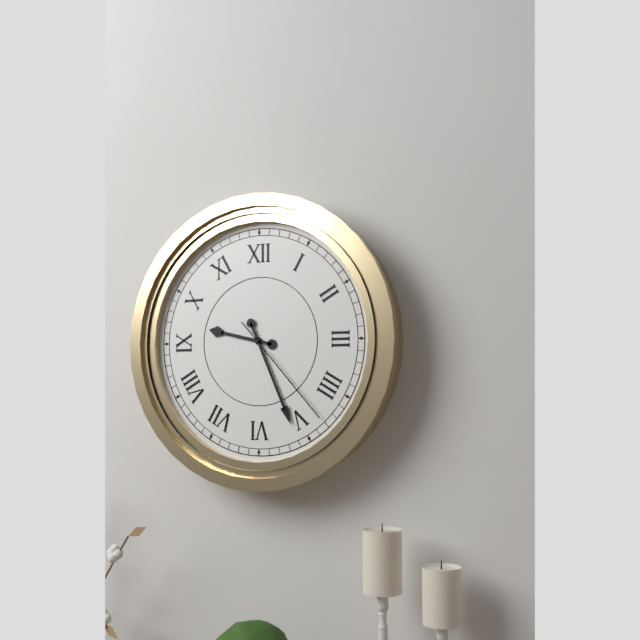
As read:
9:26:23
